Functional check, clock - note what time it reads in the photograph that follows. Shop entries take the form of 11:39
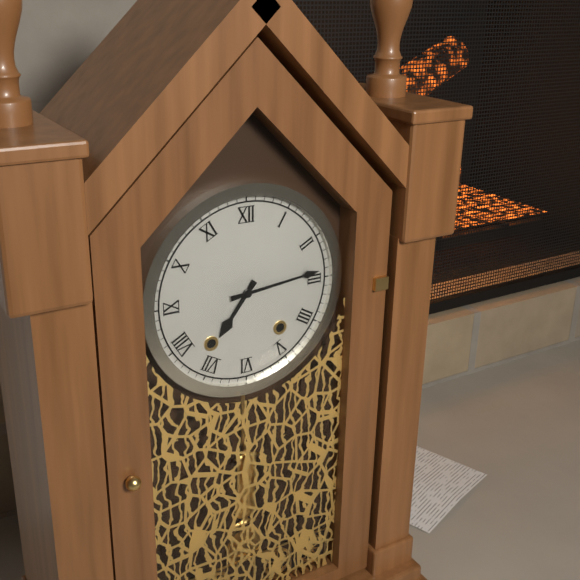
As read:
7:14
